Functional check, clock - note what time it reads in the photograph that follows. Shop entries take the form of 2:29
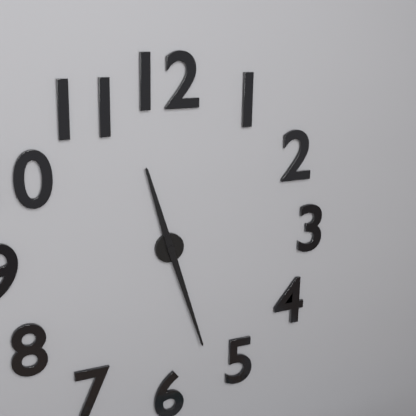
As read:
11:27
